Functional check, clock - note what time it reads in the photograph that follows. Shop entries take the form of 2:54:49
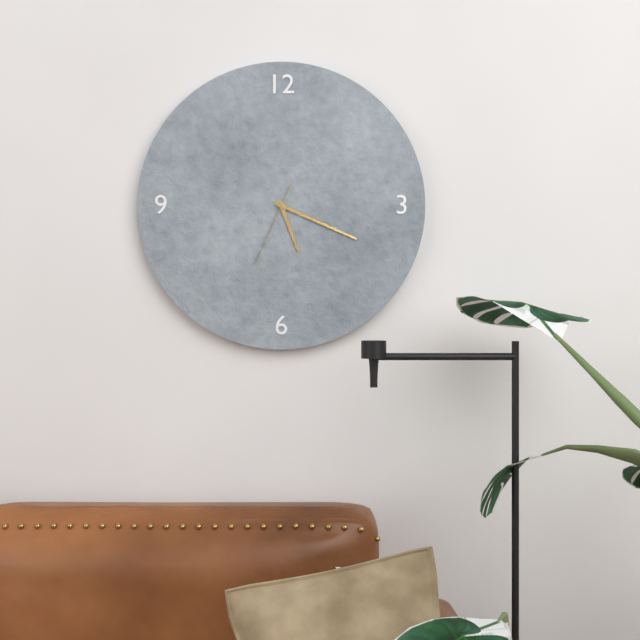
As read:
5:19:34
